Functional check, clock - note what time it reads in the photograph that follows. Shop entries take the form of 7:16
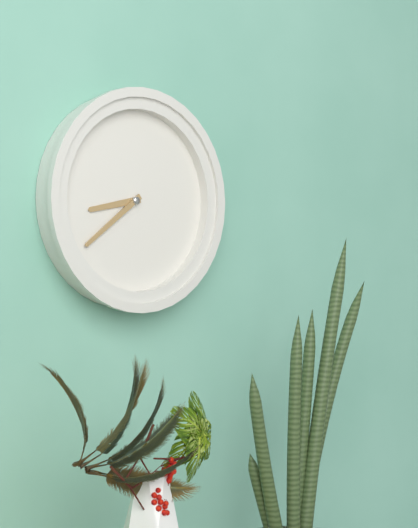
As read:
8:39
